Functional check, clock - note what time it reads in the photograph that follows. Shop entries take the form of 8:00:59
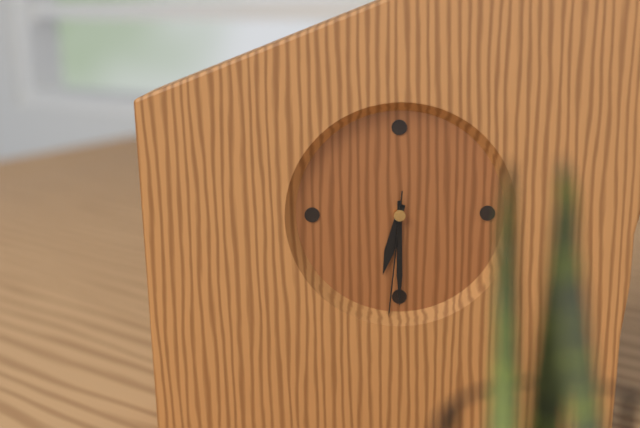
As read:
6:30:31
